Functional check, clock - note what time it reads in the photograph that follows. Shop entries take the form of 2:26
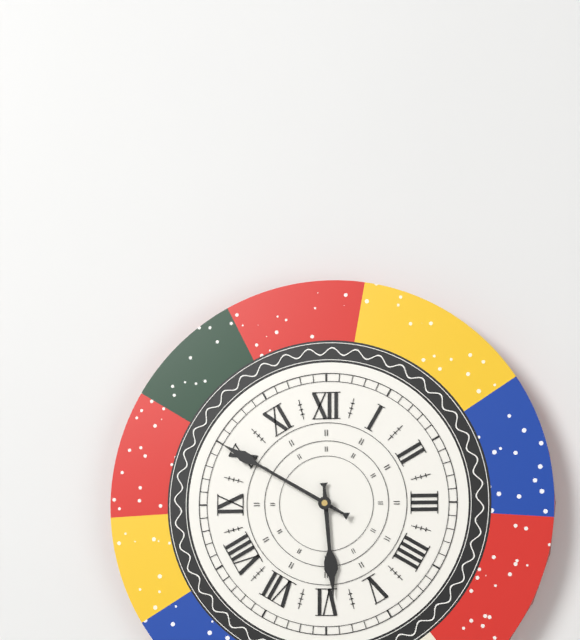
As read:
5:50
